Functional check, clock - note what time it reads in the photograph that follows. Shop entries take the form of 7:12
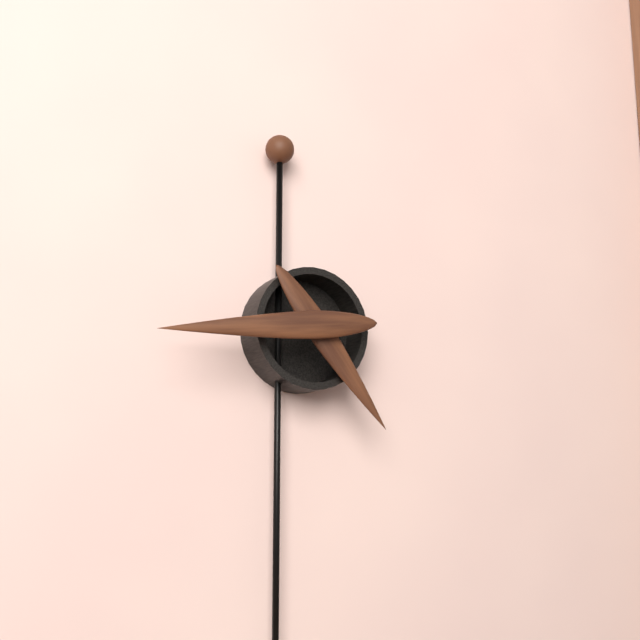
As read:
4:44
